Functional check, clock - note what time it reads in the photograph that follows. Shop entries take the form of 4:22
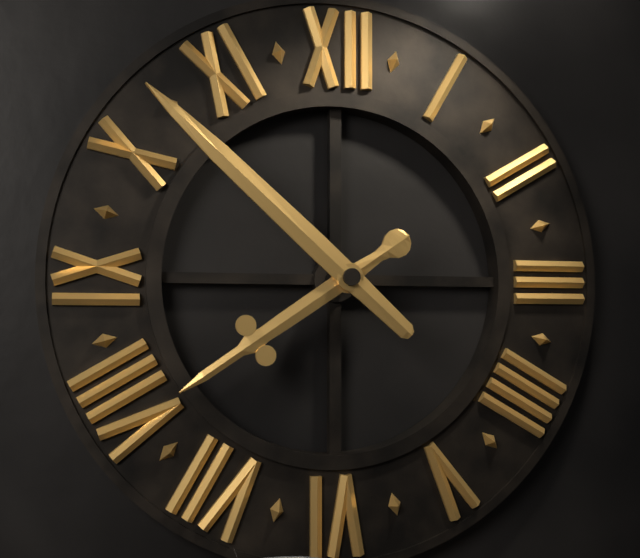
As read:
7:52
